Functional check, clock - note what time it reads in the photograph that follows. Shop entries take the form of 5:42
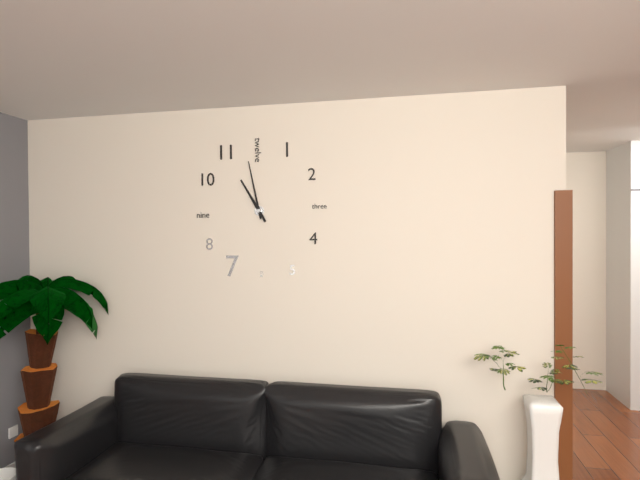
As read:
10:58
